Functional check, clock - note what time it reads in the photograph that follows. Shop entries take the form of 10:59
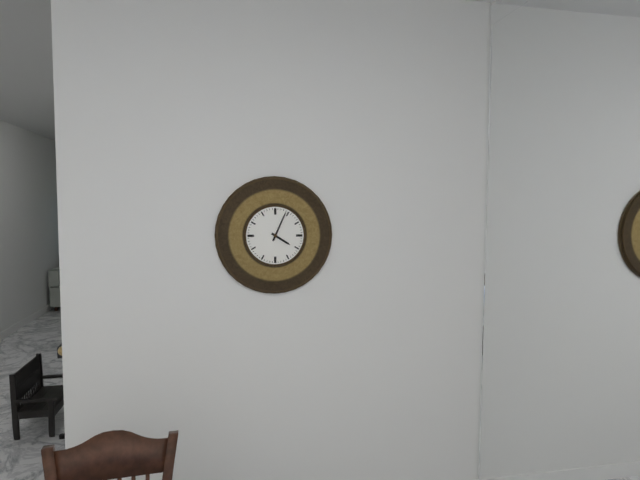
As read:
4:04
